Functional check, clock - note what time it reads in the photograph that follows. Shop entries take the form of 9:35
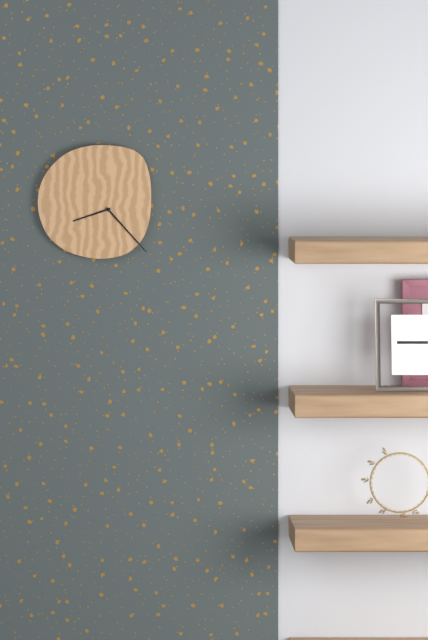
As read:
8:23
